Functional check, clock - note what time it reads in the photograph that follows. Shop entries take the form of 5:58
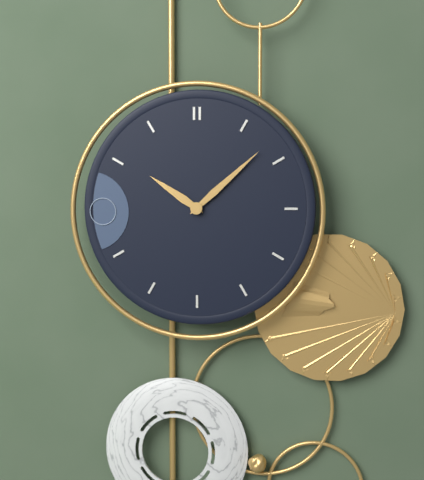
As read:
10:08
